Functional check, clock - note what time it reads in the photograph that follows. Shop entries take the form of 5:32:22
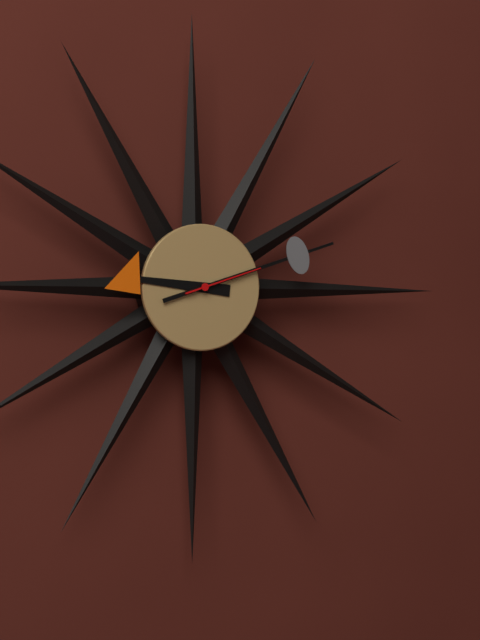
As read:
9:12:12
